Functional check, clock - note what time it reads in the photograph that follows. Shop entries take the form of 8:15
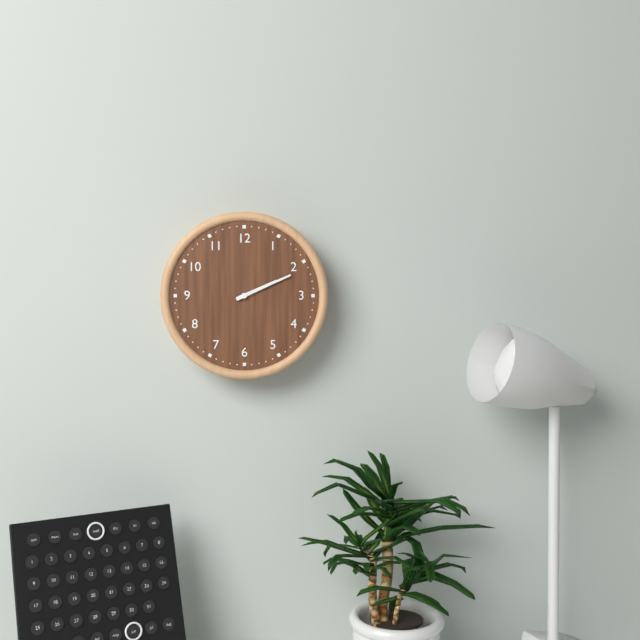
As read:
2:11
